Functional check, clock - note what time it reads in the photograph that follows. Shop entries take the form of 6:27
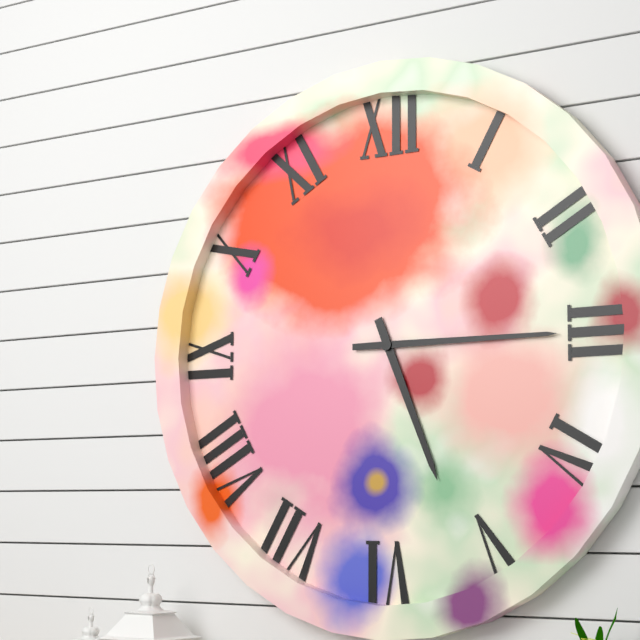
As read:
5:15
